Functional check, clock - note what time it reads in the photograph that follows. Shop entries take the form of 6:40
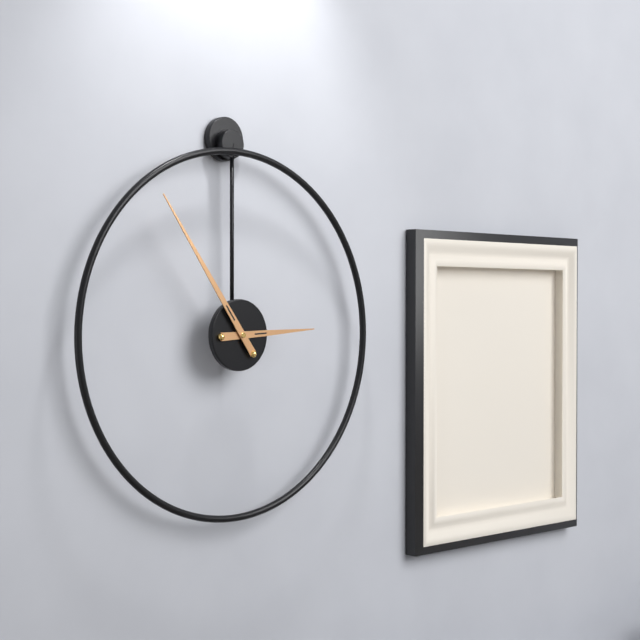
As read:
2:54
